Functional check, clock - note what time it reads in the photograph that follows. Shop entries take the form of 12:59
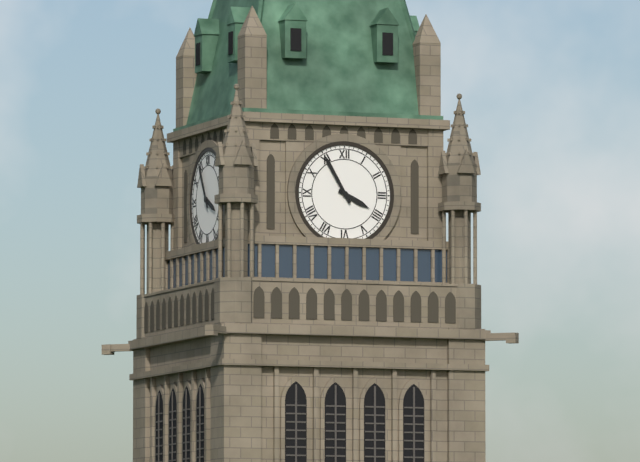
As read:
3:55
